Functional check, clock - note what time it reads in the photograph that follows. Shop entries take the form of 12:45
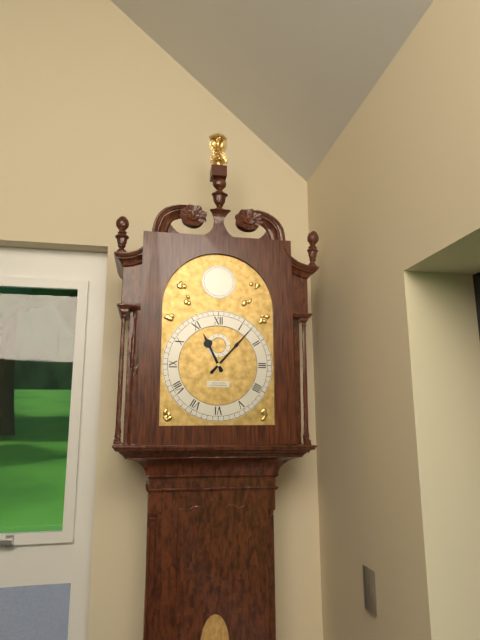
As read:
11:07
